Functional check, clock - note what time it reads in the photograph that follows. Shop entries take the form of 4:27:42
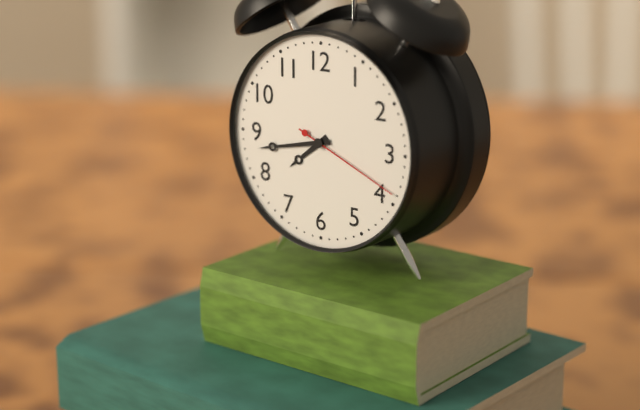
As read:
7:43:19
